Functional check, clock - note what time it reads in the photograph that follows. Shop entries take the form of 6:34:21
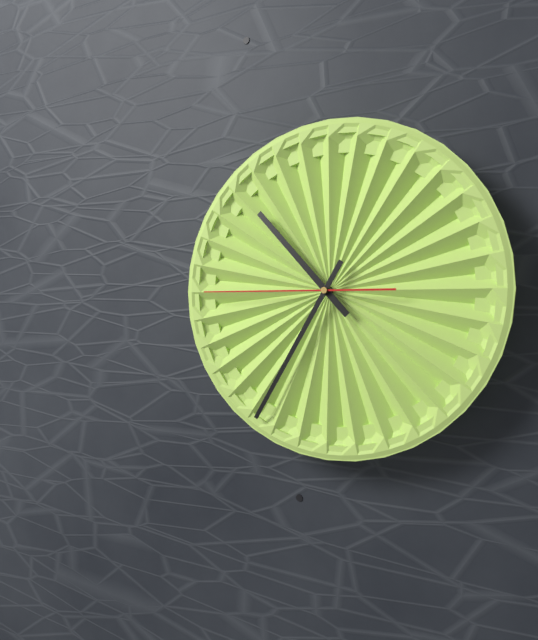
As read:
10:35:45
